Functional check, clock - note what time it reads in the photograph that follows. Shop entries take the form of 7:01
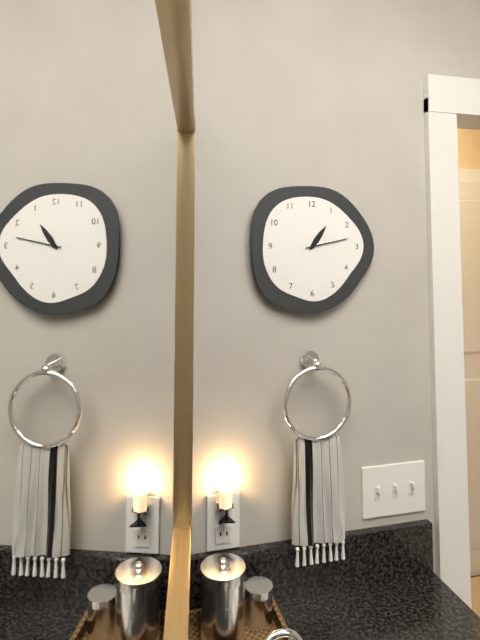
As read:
1:13
